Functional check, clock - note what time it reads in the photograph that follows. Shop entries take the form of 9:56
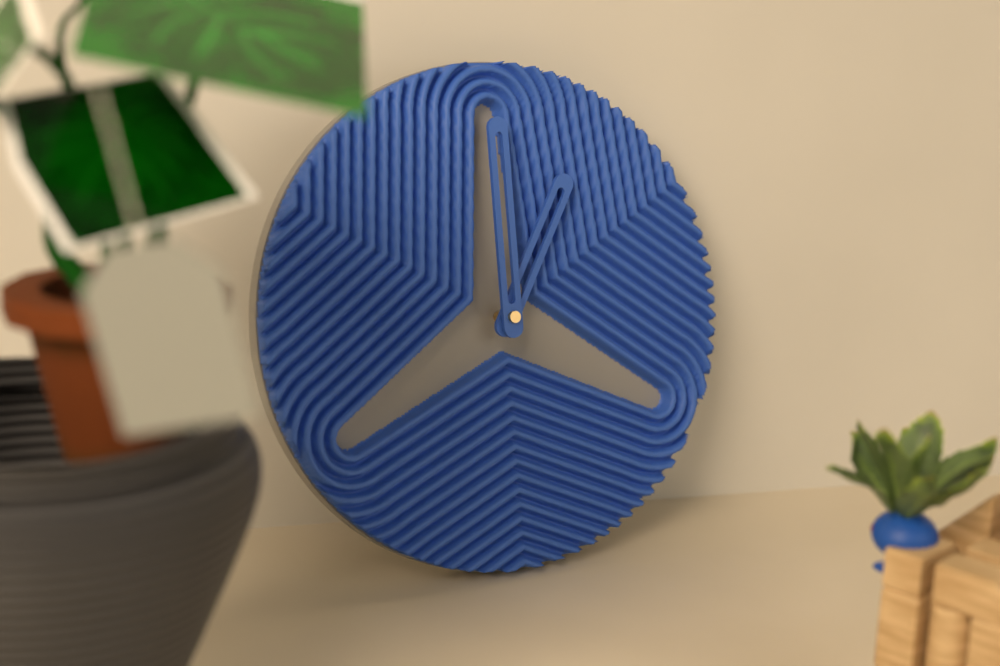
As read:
1:00
